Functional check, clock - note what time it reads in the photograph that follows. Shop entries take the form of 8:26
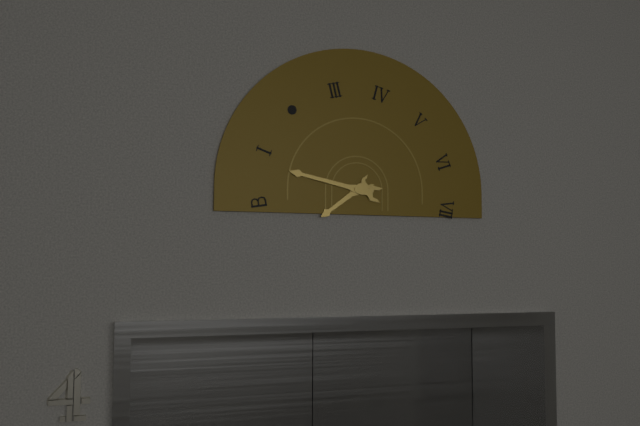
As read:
7:47
